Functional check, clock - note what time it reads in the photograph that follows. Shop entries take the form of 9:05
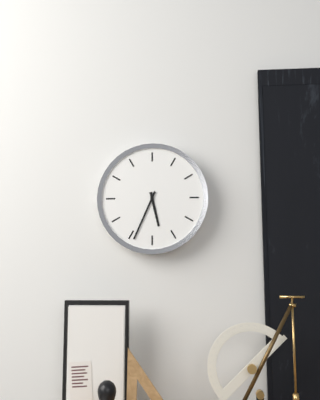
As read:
5:34
